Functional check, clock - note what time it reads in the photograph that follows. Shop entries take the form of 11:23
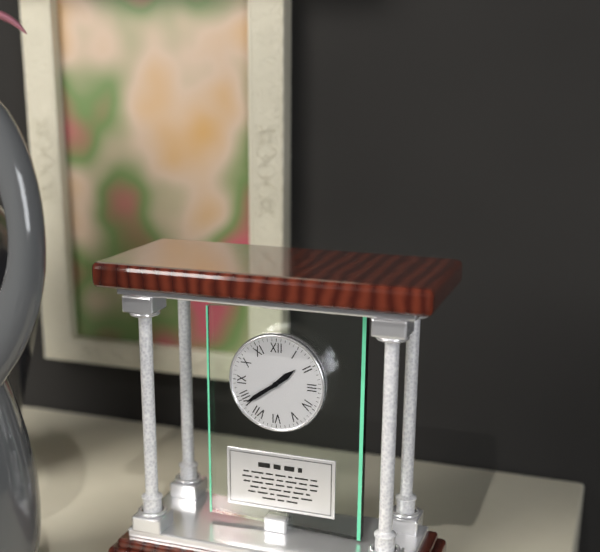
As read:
1:39
